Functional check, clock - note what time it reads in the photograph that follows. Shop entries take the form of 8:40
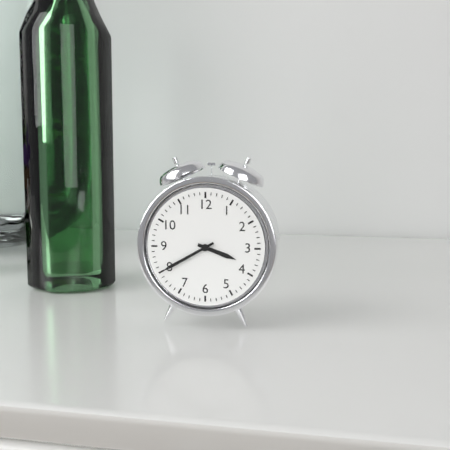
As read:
3:40
